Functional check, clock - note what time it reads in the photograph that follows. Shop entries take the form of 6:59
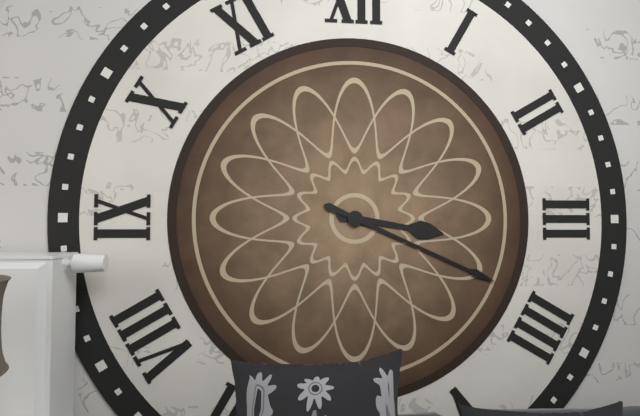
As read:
3:19
